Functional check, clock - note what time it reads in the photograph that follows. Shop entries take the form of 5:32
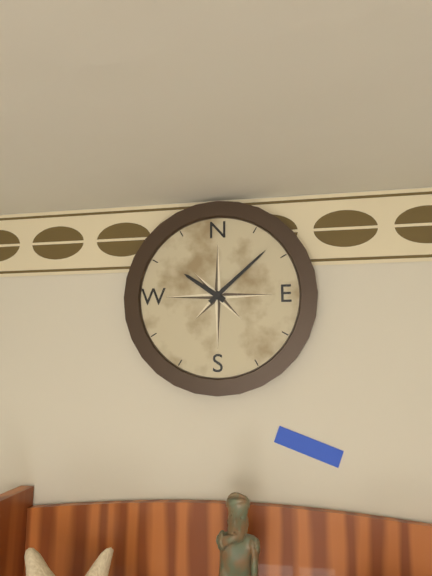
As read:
10:08
